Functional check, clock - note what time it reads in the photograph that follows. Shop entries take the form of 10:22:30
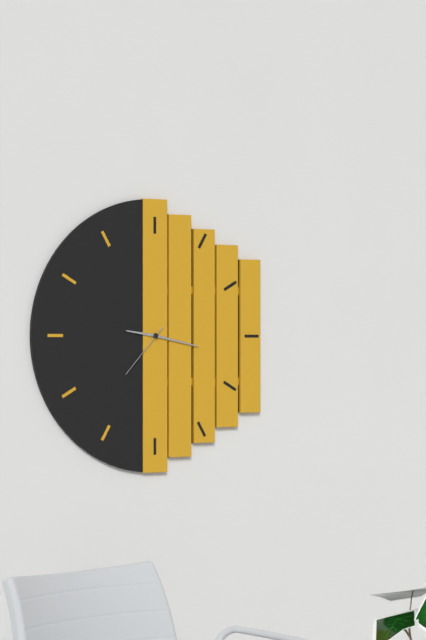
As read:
9:17:37
